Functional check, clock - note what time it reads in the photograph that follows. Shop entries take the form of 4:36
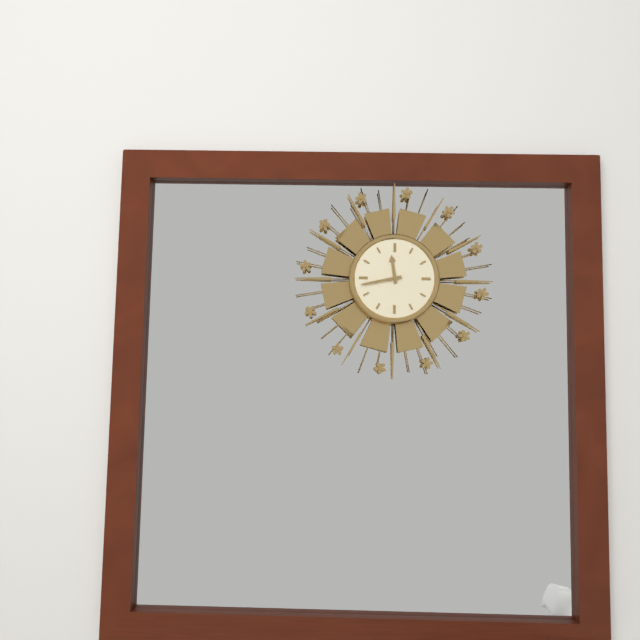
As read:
11:43
